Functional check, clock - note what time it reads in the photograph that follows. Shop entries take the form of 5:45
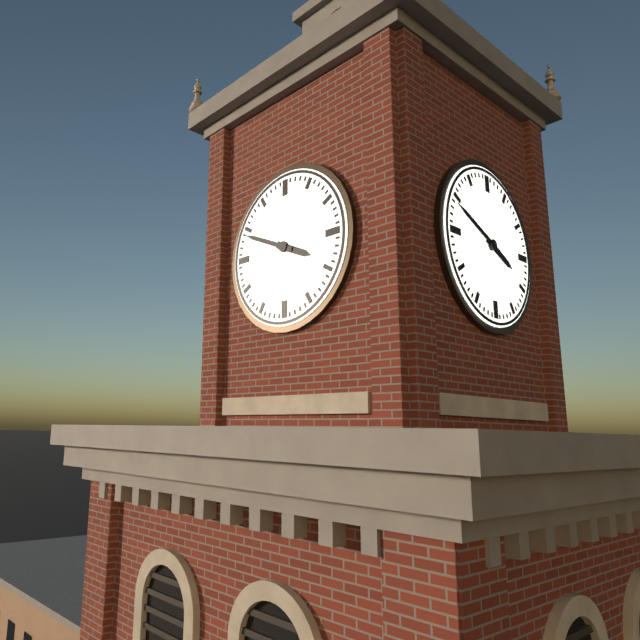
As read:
3:49
